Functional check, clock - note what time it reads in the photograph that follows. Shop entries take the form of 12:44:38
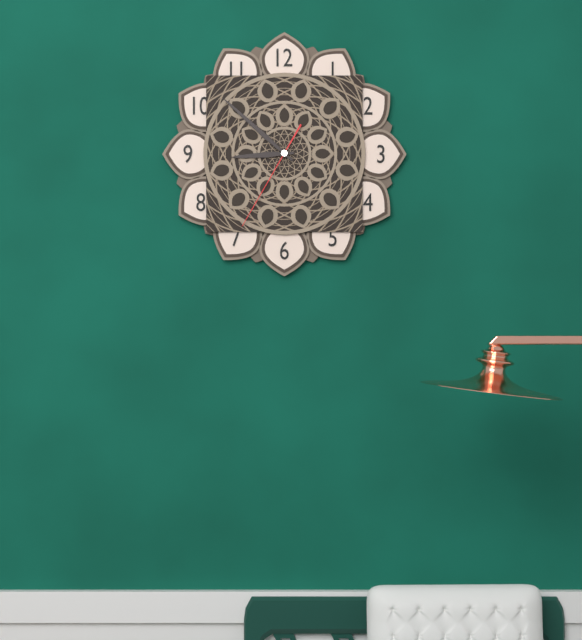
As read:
8:52:35
